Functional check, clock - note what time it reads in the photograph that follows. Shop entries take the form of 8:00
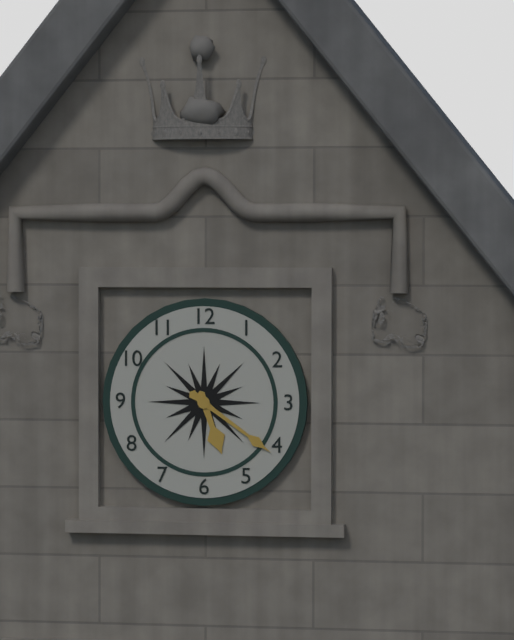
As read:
5:21
